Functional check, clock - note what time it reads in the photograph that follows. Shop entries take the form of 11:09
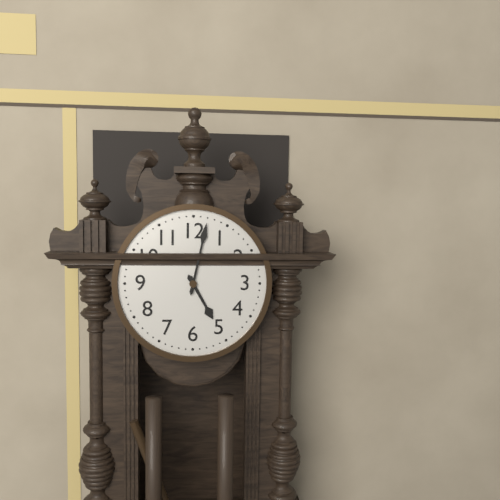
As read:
5:02
